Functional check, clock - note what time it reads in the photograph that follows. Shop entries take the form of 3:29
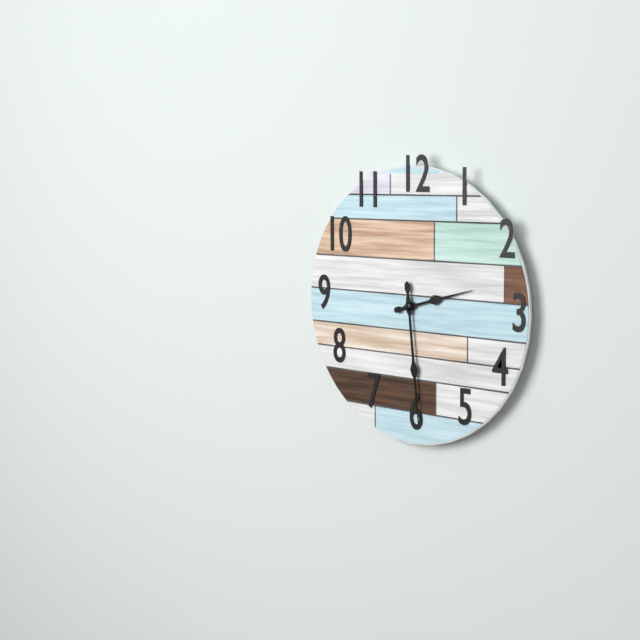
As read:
2:29
